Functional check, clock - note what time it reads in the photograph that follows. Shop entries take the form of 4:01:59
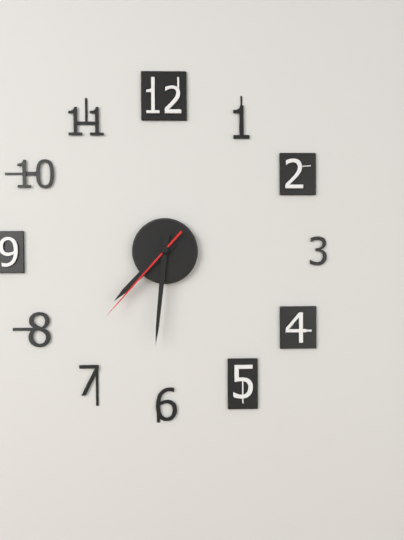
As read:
7:31:37
